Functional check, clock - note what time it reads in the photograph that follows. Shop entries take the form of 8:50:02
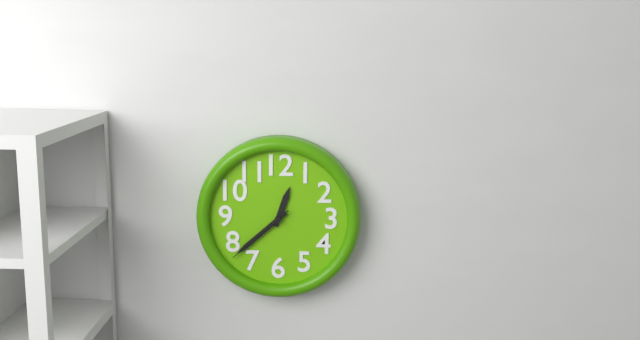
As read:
12:38:38
